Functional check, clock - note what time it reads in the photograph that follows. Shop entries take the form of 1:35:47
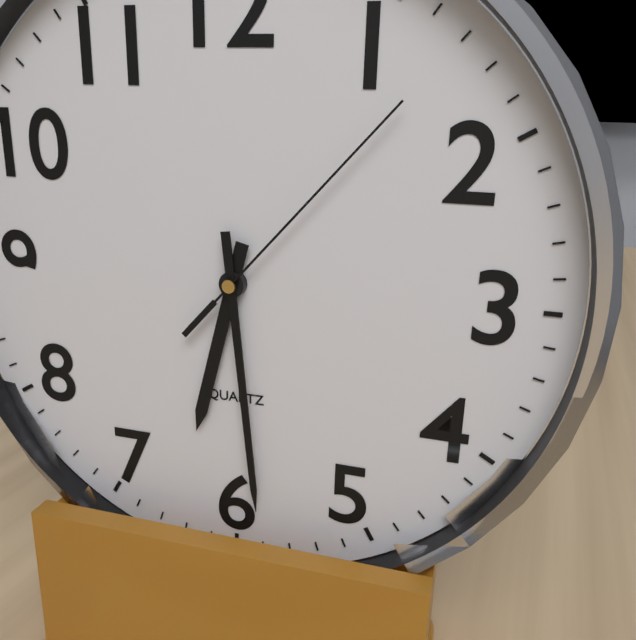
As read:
6:29:07
